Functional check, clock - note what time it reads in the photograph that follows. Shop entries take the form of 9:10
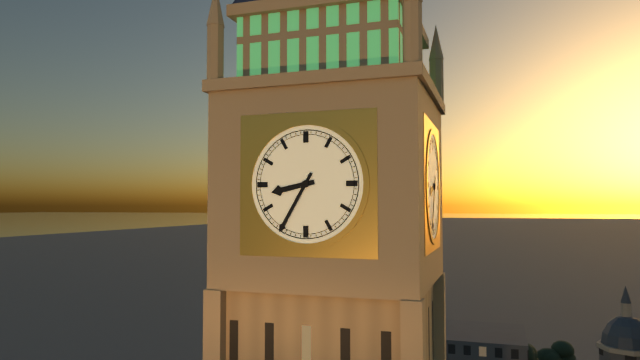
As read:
8:35
